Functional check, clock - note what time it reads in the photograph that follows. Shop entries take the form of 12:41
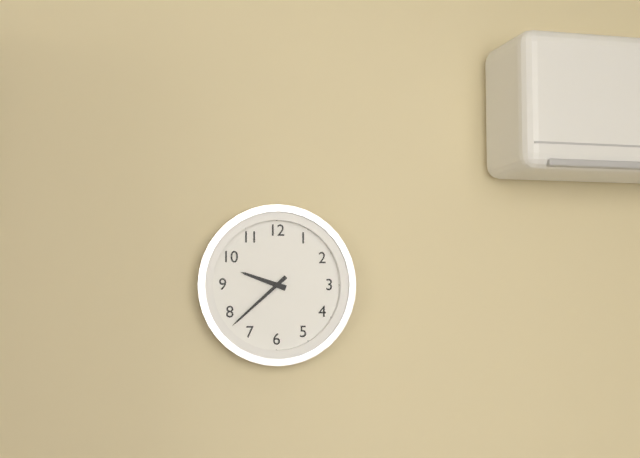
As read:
9:38
